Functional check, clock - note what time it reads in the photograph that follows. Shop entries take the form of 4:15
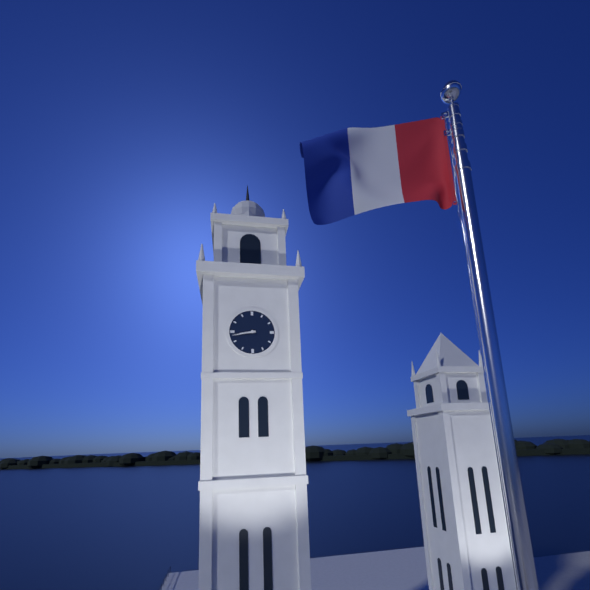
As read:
8:43
